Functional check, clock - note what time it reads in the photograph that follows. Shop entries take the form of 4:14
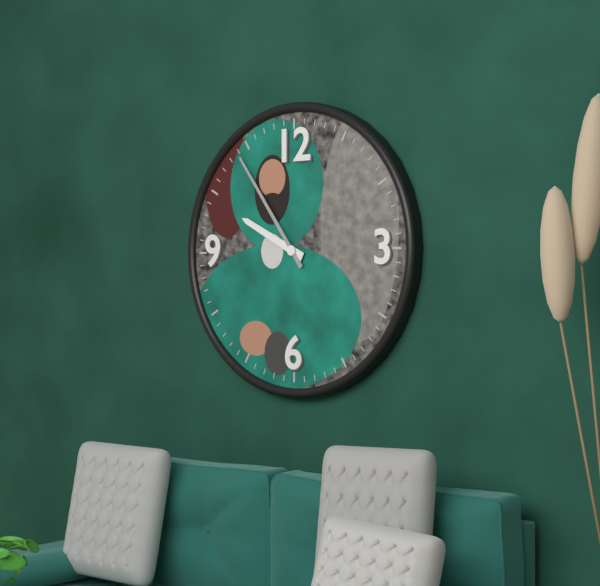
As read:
9:54
